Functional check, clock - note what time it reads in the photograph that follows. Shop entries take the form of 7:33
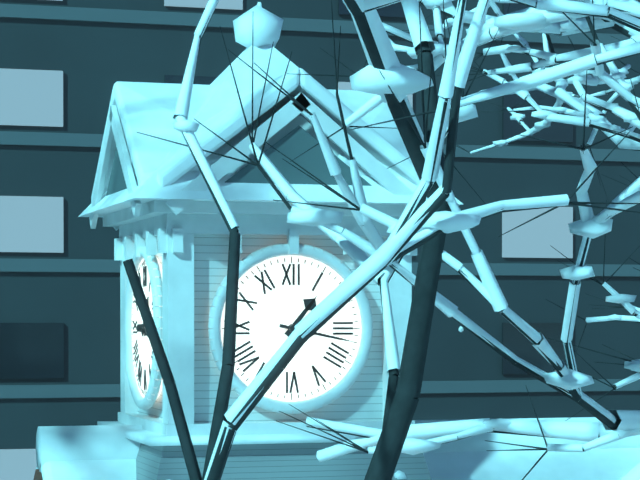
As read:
1:17
